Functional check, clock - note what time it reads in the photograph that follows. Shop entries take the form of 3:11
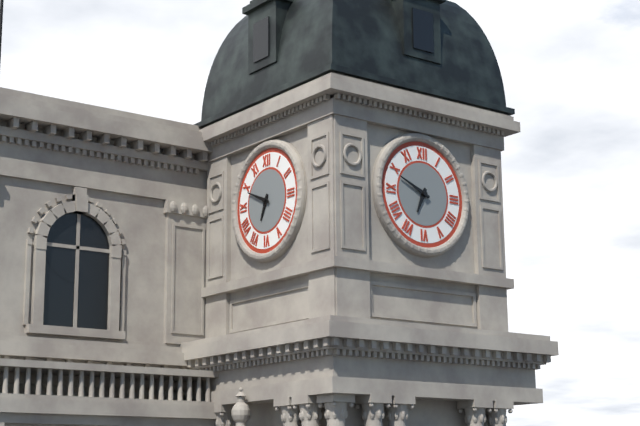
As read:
6:49
